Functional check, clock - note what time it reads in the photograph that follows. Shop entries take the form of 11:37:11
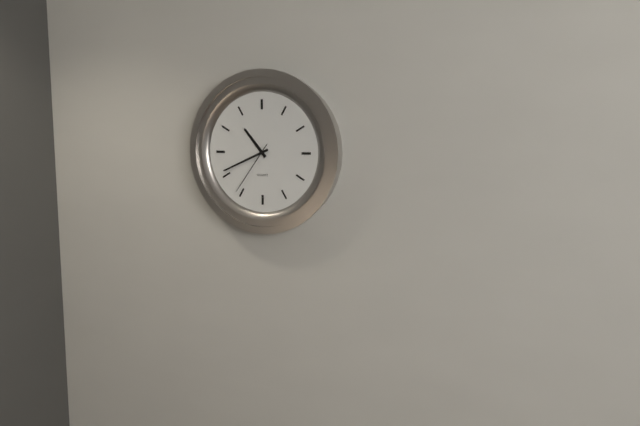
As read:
10:41:36
